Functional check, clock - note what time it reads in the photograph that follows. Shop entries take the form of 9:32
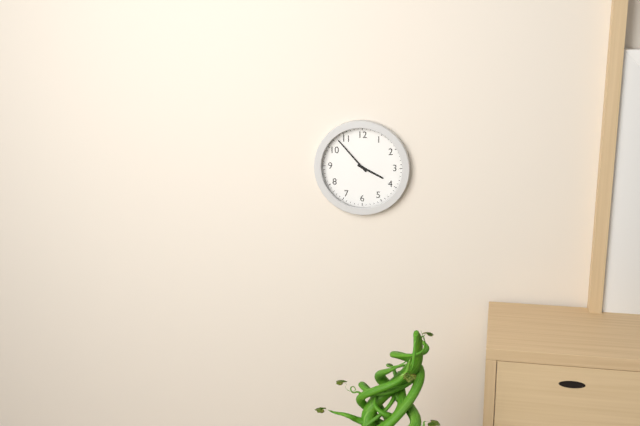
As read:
3:53
